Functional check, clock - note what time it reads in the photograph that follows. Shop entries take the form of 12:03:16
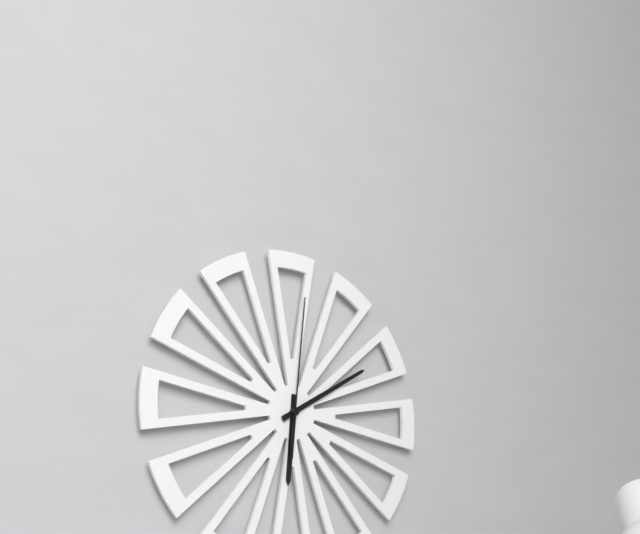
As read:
6:10:01
